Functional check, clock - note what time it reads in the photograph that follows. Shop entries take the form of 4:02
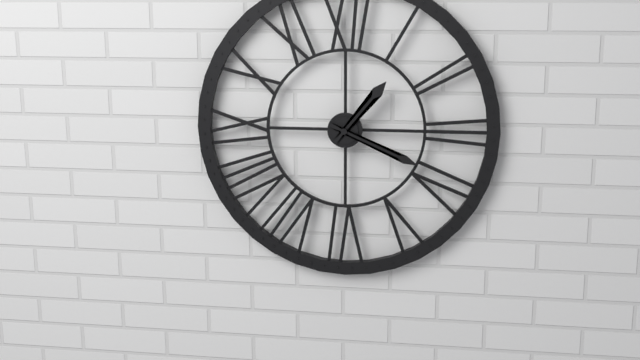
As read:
1:19
